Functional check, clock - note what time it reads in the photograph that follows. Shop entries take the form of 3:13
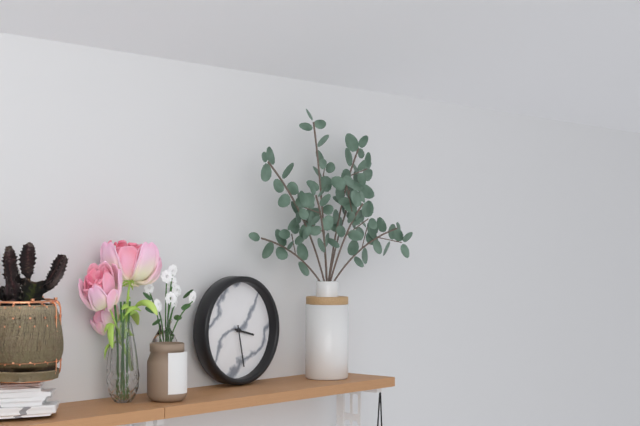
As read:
3:28
